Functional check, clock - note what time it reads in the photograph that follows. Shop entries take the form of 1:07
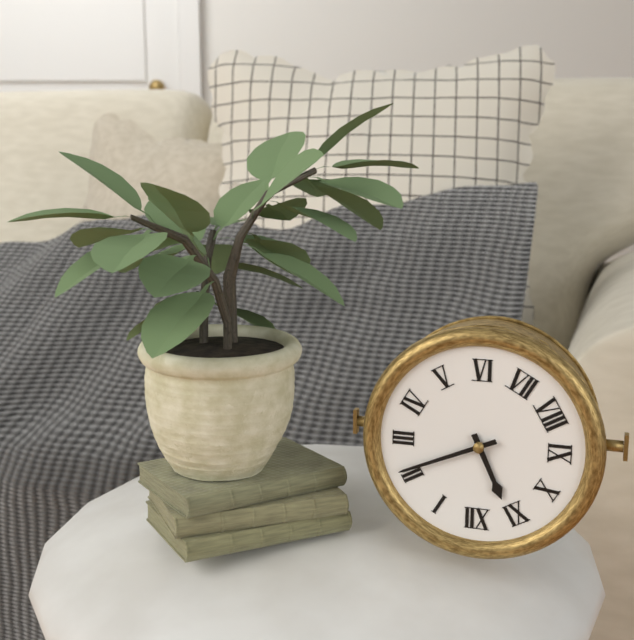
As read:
11:11
